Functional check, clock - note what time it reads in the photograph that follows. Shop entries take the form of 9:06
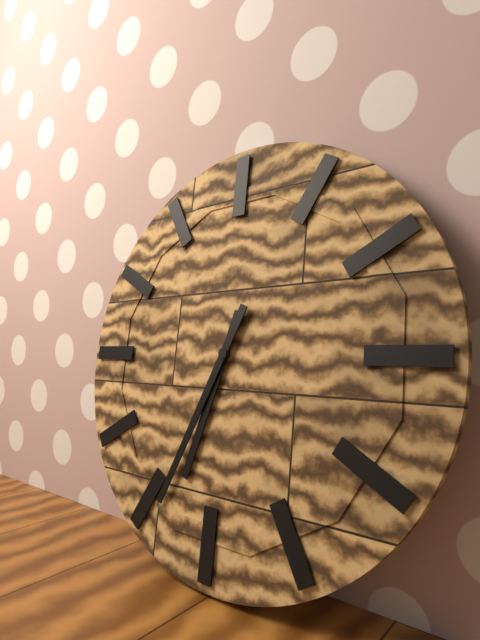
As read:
6:34
